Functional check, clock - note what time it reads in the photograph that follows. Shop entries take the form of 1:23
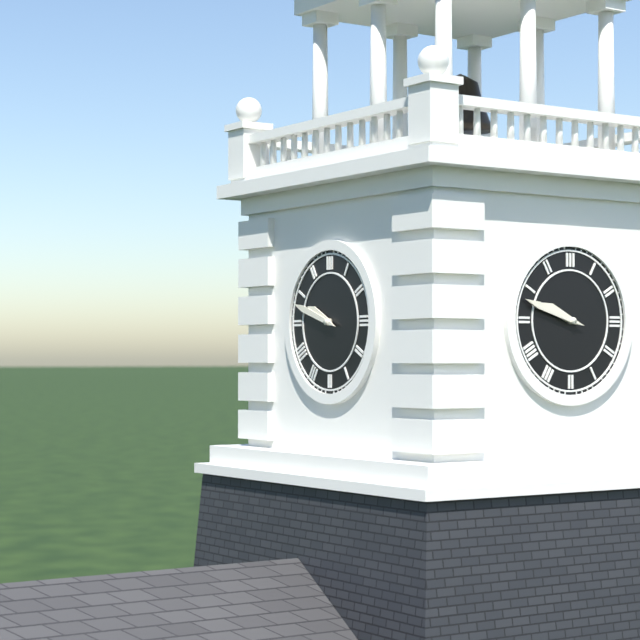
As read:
9:48
